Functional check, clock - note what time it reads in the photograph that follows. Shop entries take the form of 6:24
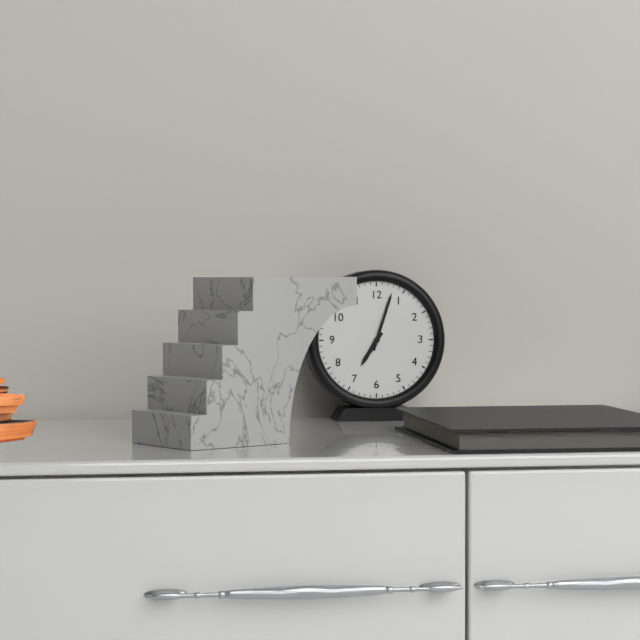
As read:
7:03
